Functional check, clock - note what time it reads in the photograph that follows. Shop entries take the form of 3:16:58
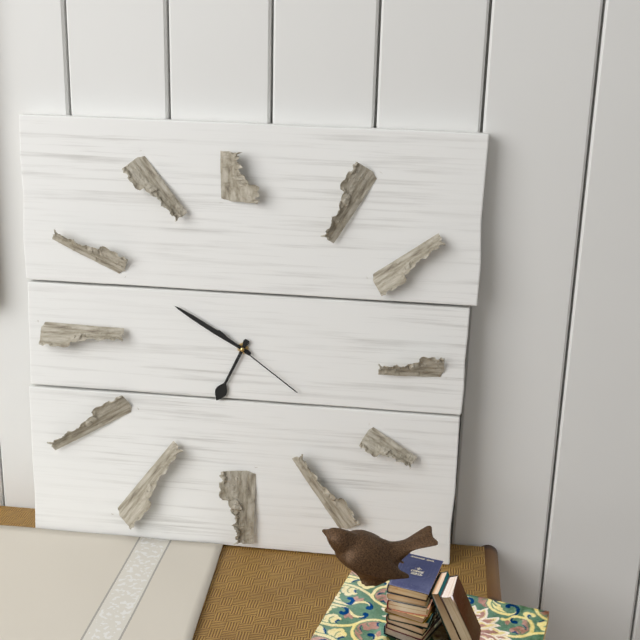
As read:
6:50:21
